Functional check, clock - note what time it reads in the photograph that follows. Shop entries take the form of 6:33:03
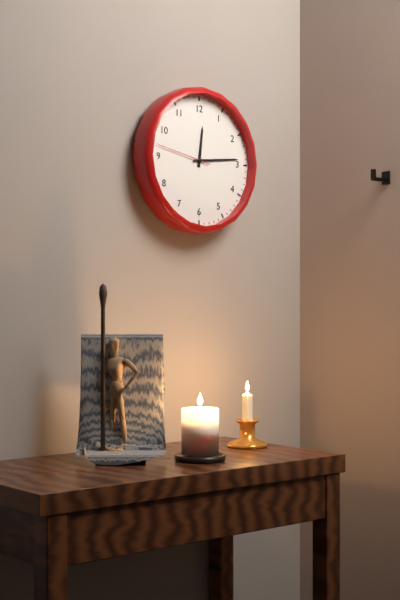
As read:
12:14:47
